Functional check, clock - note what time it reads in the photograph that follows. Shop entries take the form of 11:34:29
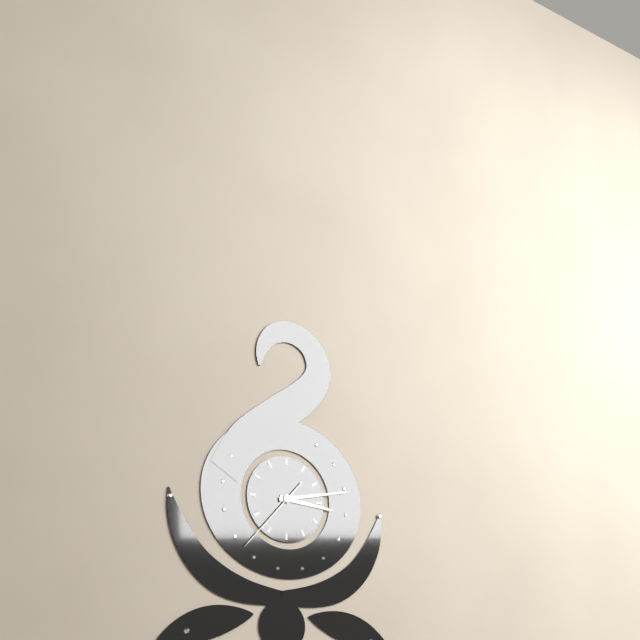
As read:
3:13:37
